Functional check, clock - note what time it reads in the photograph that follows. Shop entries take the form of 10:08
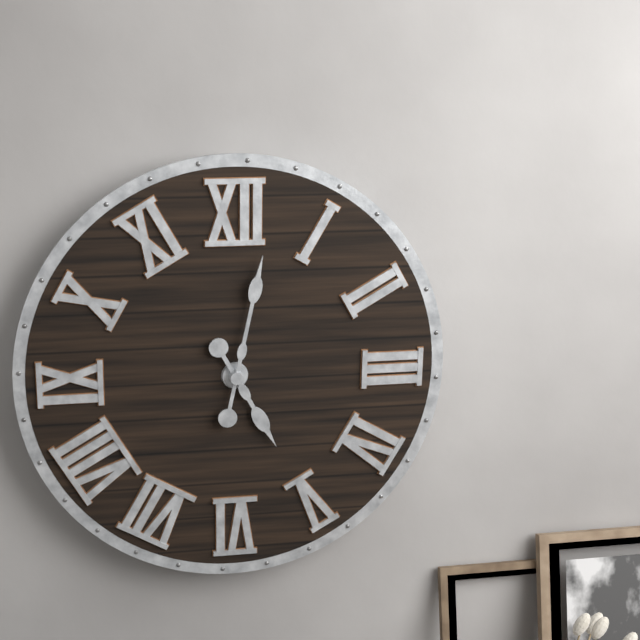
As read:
5:02
